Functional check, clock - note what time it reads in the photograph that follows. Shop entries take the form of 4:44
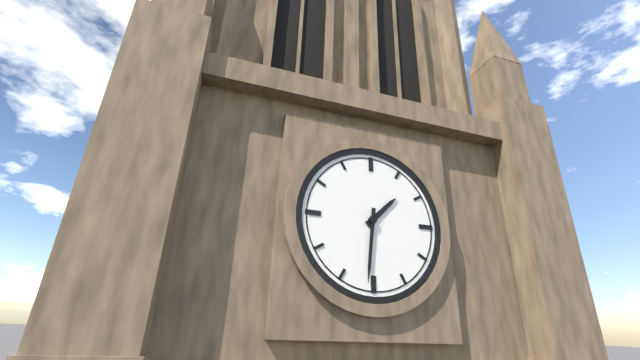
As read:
1:31
